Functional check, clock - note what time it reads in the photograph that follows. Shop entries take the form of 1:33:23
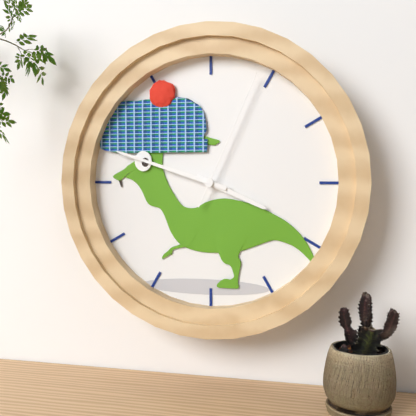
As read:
3:48:04
